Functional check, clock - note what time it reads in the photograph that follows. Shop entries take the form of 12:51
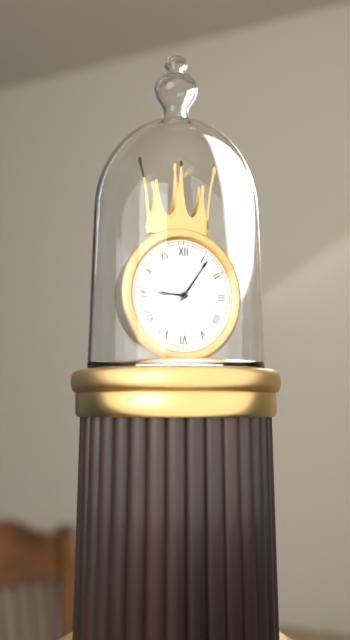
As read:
9:06
